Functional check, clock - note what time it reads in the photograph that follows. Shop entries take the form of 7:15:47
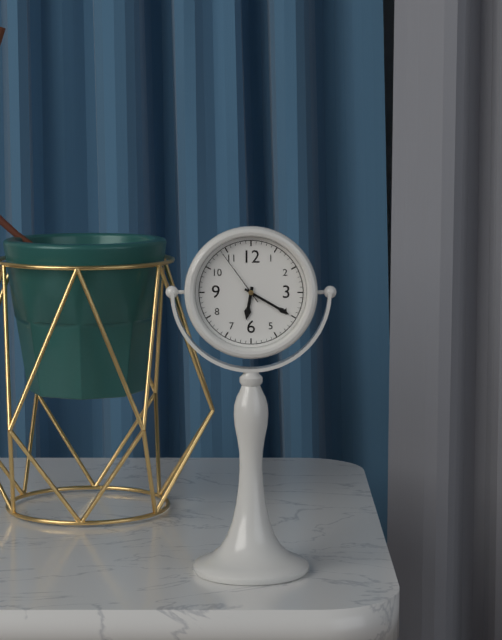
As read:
6:20:54
